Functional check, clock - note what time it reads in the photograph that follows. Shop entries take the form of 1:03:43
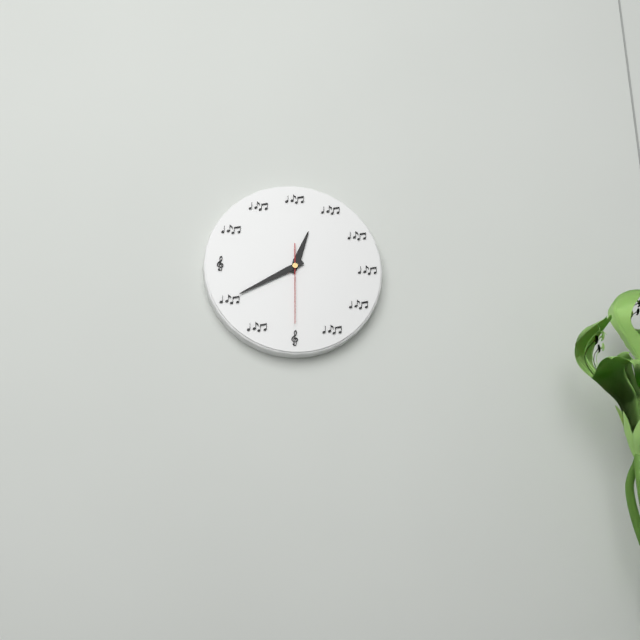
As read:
12:40:30
